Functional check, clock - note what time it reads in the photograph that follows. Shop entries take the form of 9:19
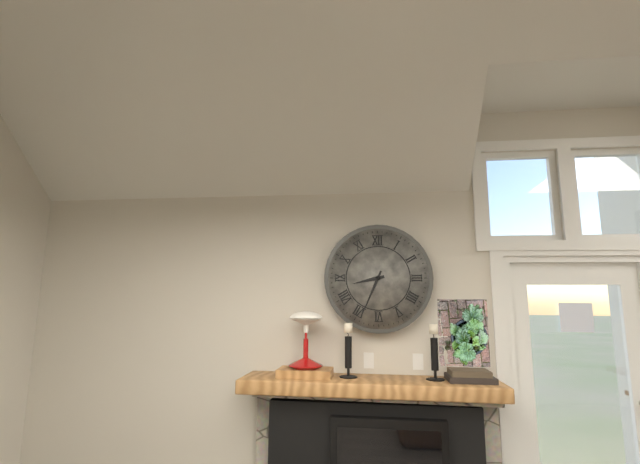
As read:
8:34
